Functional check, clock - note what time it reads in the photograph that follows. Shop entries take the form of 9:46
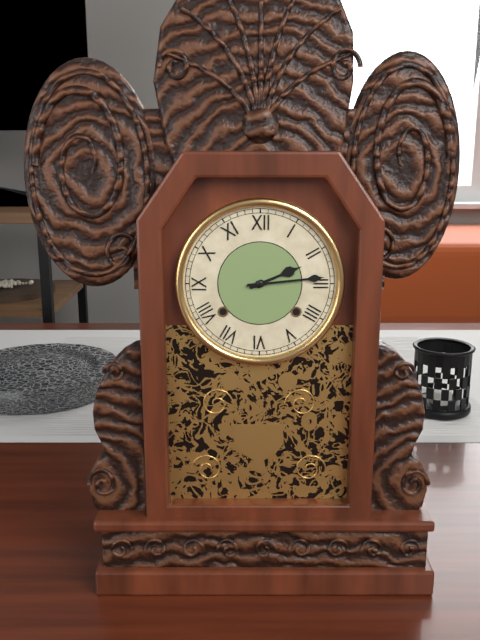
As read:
2:14
